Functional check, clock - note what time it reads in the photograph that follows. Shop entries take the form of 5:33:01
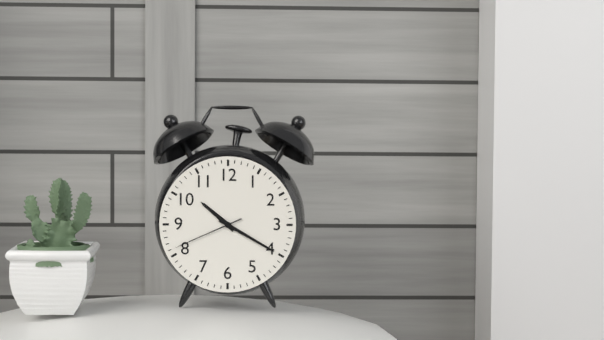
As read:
10:20:41
